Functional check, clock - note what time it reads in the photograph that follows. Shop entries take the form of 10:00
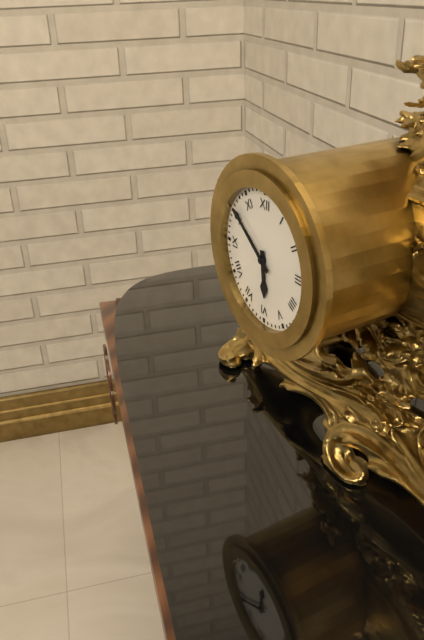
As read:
5:51
